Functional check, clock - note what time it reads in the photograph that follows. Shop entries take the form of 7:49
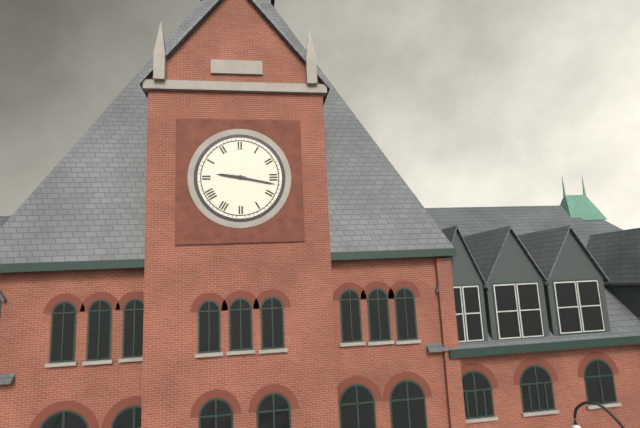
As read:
9:17
